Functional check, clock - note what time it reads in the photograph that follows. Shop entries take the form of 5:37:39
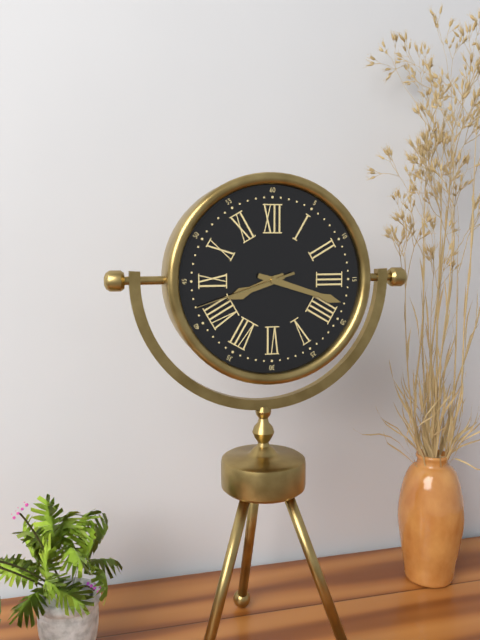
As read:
8:18:42
